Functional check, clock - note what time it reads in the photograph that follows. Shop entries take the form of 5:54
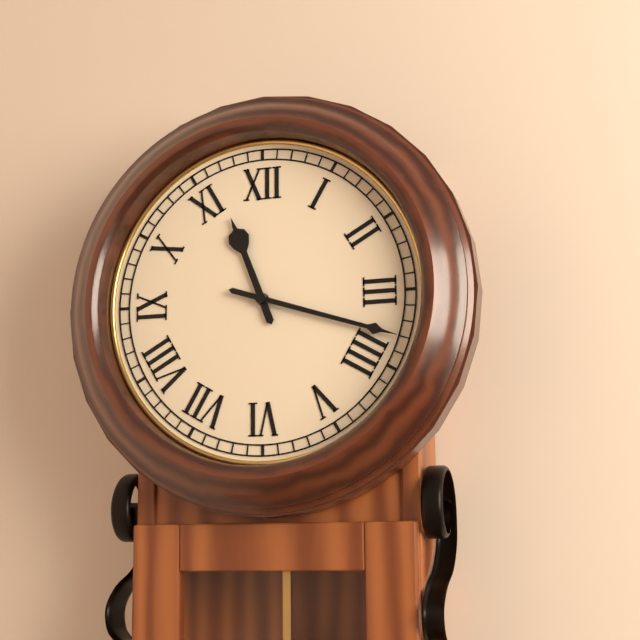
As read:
11:18
